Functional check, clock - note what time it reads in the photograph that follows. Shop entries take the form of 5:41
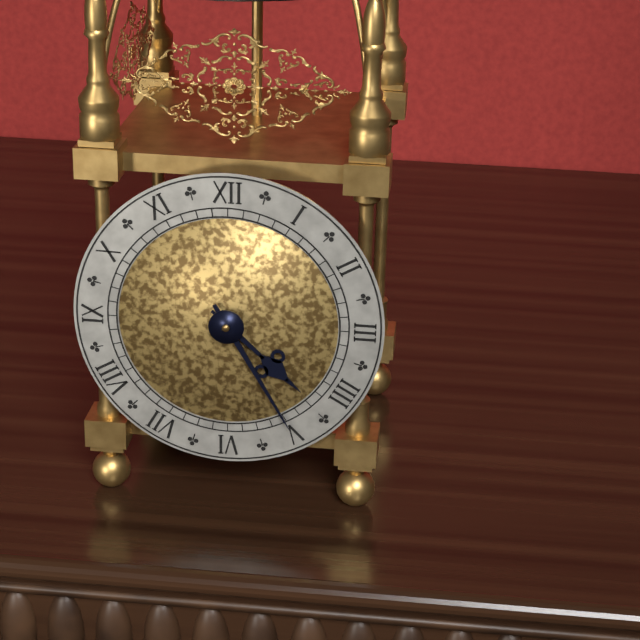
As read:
4:25
